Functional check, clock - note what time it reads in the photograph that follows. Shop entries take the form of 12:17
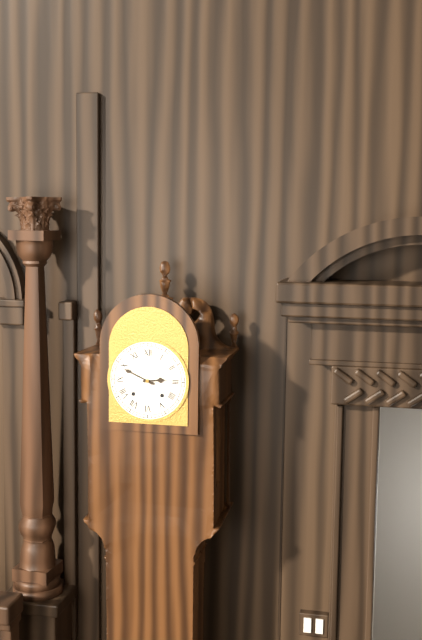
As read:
2:49
